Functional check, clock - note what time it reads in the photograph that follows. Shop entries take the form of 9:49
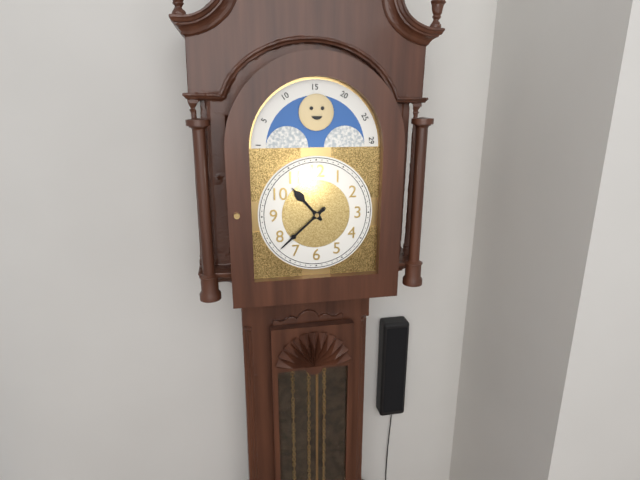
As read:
10:38
